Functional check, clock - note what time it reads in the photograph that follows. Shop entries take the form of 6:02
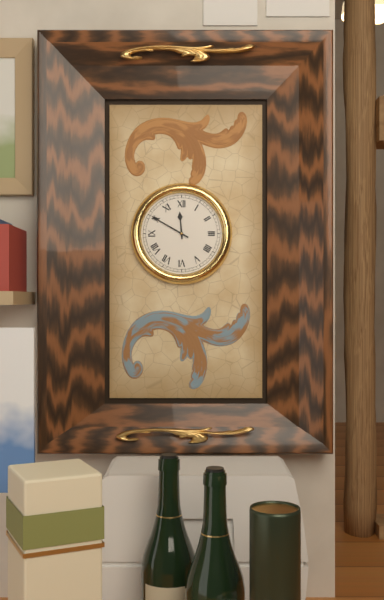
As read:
11:50
